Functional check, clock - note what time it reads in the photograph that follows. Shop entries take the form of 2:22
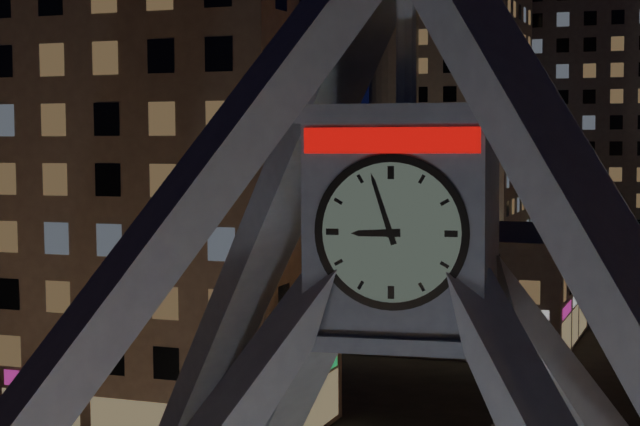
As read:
8:57
